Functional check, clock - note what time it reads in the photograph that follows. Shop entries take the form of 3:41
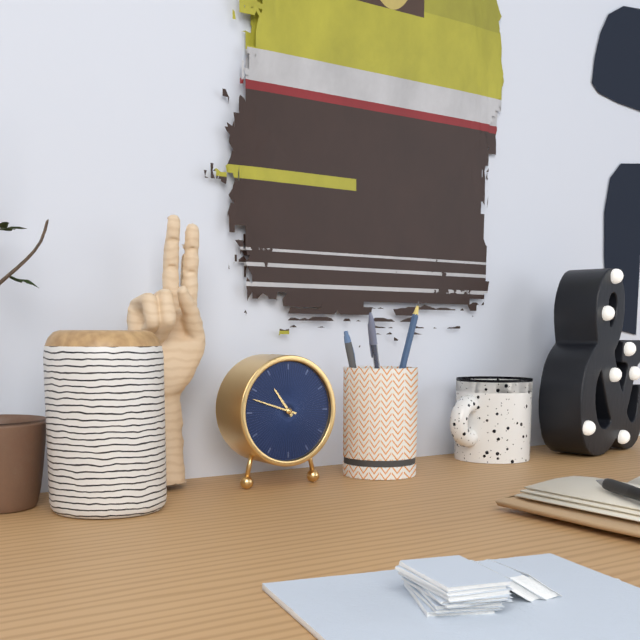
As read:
10:48
